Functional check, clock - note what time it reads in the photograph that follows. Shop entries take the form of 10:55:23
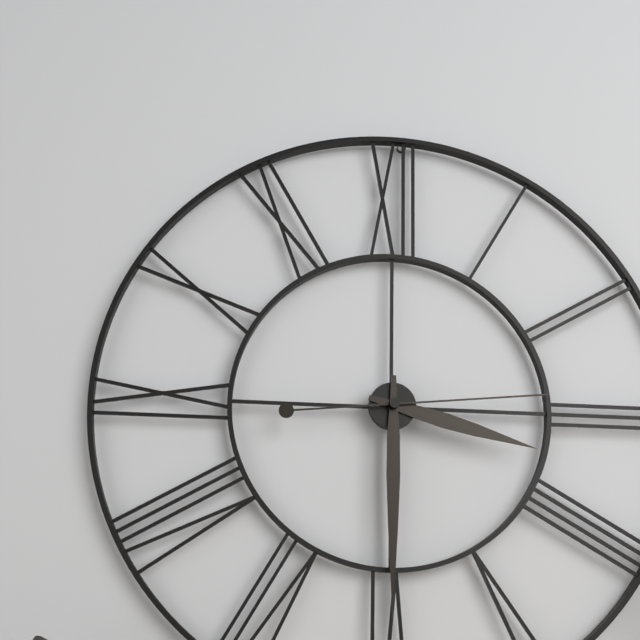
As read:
3:30:14
